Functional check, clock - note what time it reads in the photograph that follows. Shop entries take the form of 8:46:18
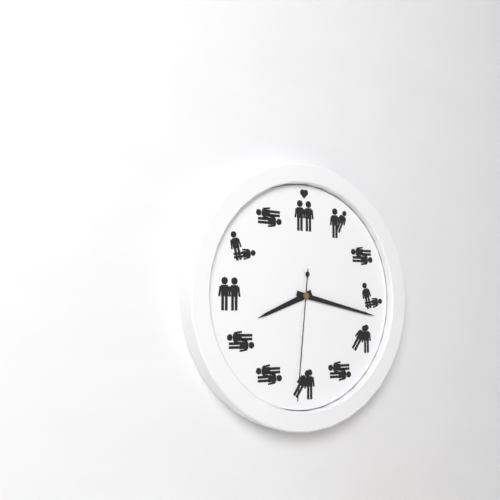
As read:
8:17:31
